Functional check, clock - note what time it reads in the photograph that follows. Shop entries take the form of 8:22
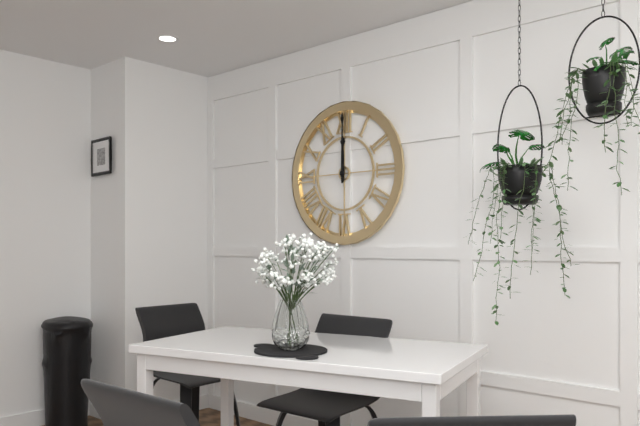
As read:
12:00
